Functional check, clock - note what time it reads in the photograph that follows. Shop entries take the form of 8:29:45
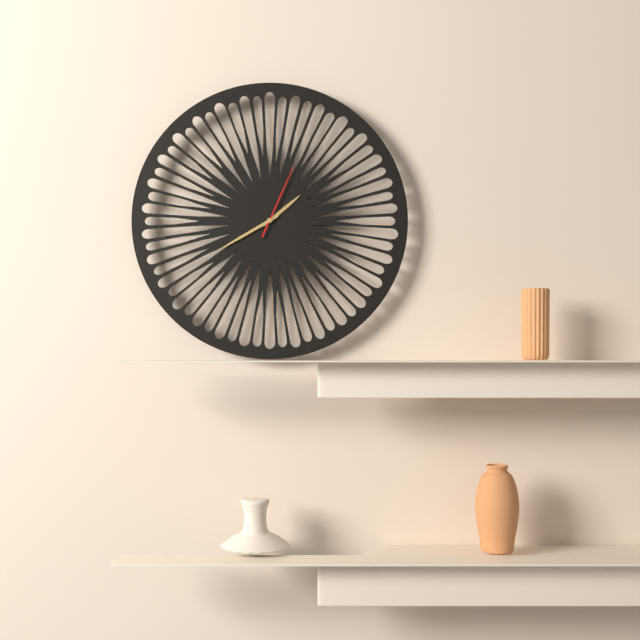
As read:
1:40:04
